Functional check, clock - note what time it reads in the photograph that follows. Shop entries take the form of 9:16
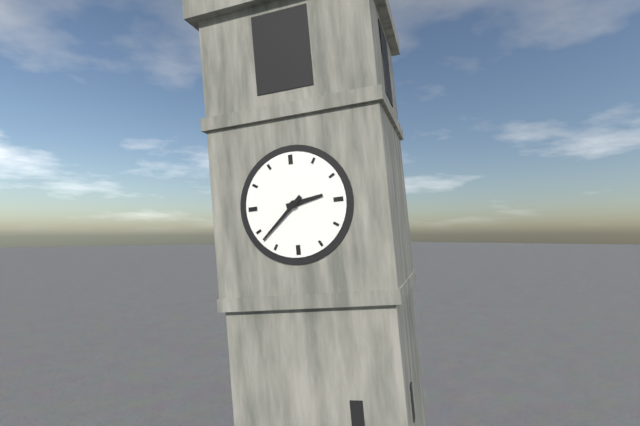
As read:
2:38
